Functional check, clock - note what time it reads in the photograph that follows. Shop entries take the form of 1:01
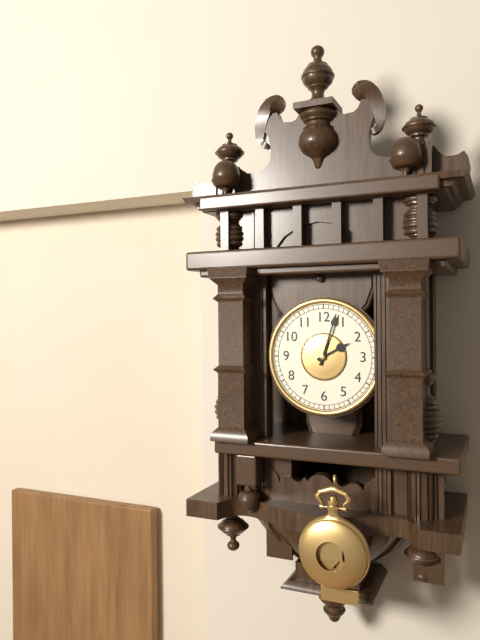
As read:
2:03
